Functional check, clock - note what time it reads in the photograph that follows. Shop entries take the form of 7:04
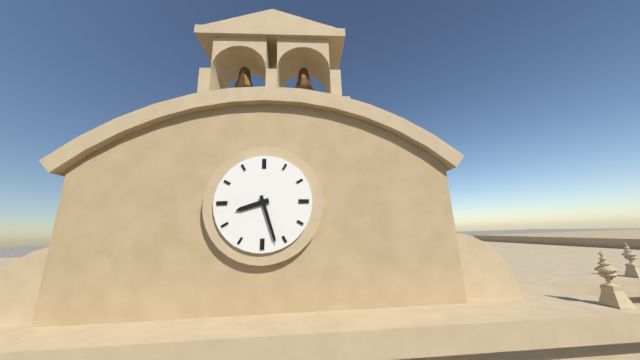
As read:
8:27
